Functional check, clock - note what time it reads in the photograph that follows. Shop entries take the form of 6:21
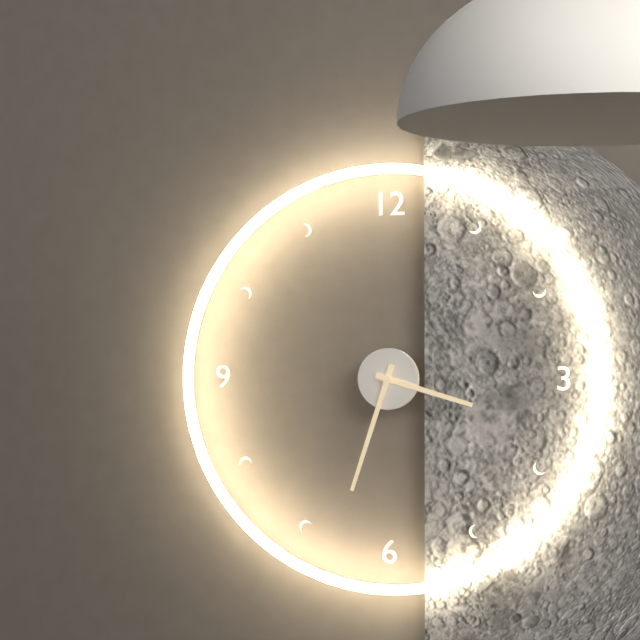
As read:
3:33
